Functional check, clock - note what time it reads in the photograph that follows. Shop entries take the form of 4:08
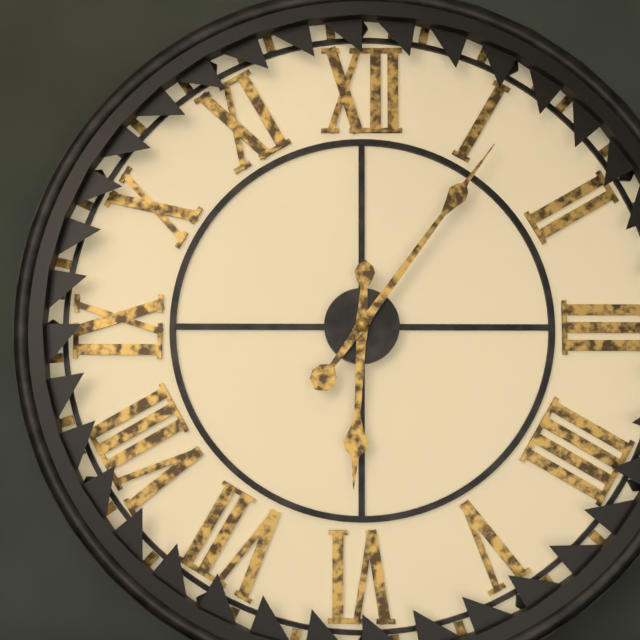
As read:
6:06
